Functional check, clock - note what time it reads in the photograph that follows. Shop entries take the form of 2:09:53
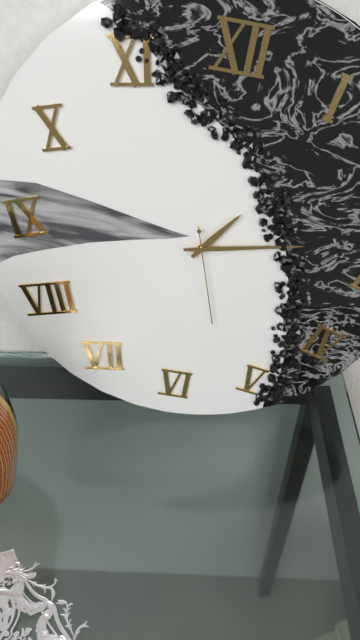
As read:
1:13:27
